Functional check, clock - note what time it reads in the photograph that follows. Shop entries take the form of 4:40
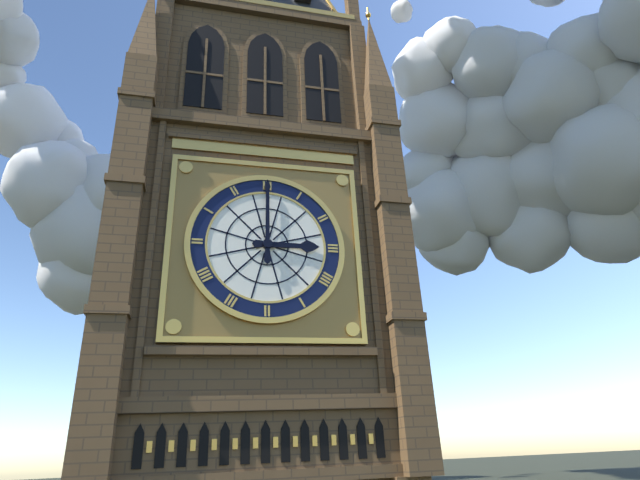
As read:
3:00
